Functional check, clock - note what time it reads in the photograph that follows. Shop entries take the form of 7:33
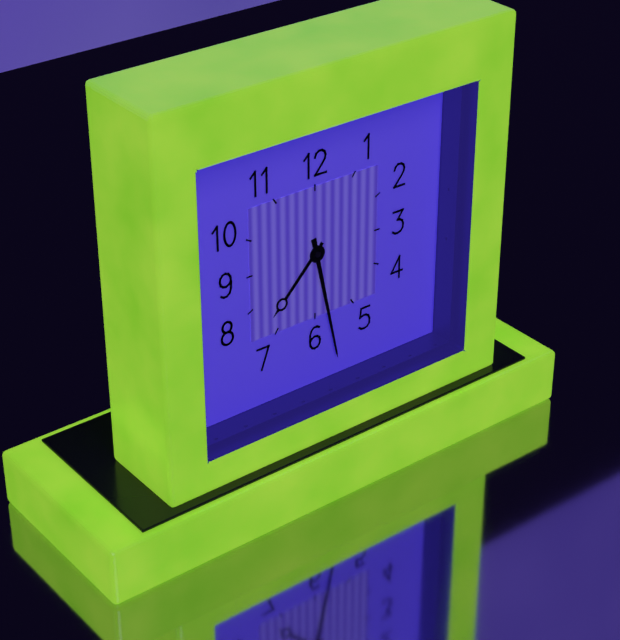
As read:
7:28
